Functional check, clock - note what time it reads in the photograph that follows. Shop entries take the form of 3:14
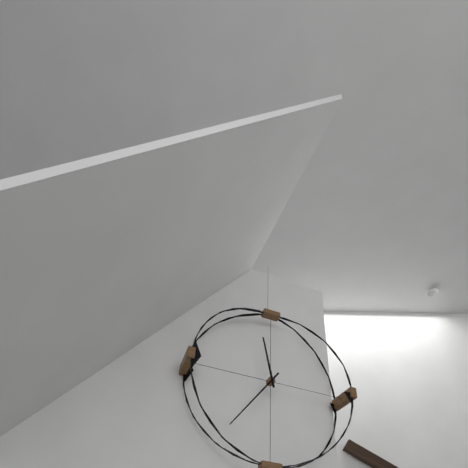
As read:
11:36
